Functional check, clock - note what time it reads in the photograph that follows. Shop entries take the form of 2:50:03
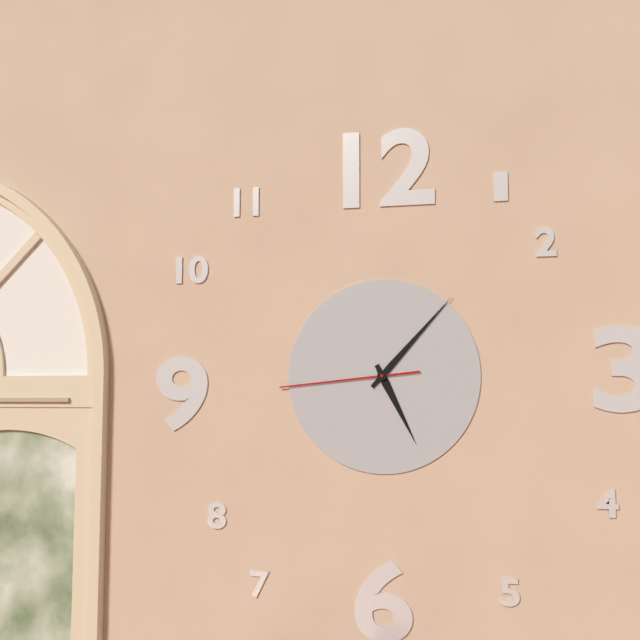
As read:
5:07:44
